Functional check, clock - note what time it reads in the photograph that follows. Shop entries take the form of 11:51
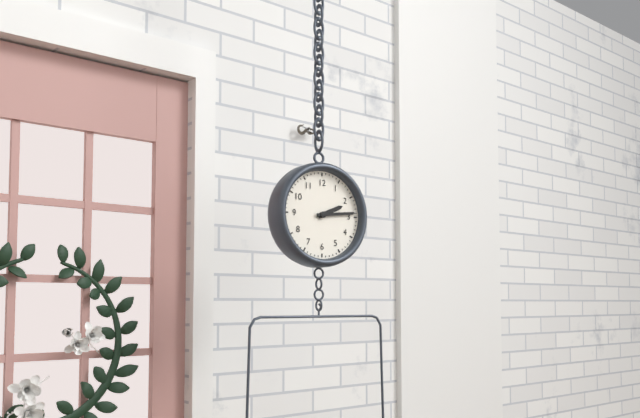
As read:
2:14
